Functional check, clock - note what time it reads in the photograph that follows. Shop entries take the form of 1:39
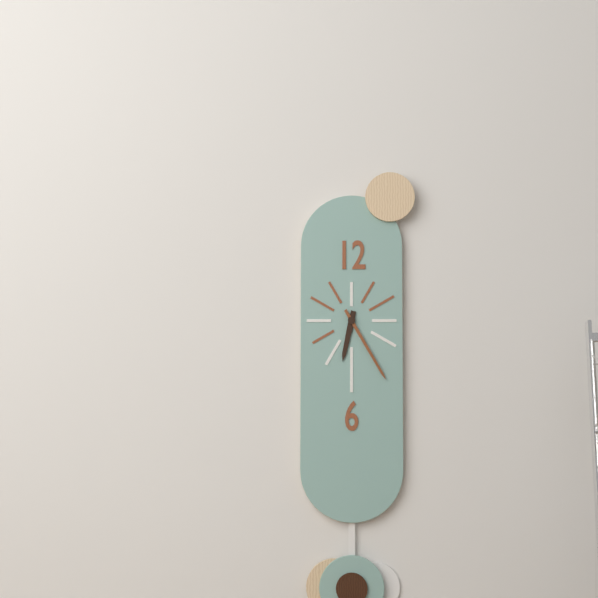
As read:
6:25
